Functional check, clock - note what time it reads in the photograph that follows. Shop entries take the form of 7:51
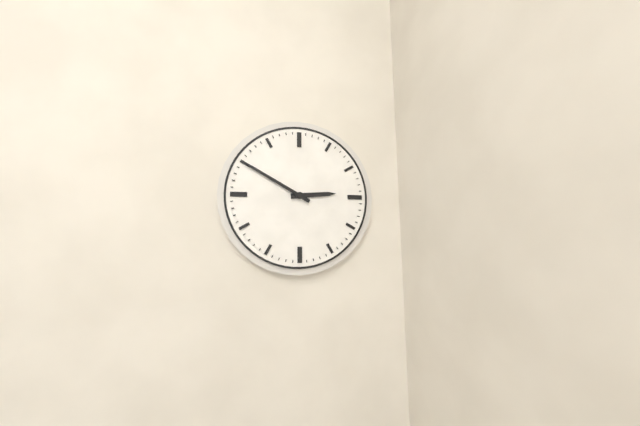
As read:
2:50
